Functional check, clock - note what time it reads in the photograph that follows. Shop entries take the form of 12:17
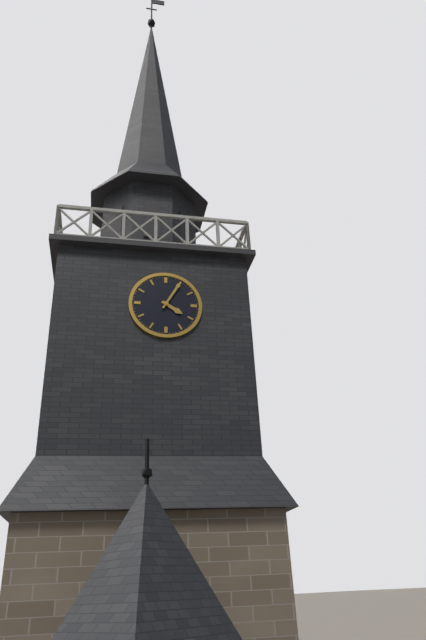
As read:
4:05
